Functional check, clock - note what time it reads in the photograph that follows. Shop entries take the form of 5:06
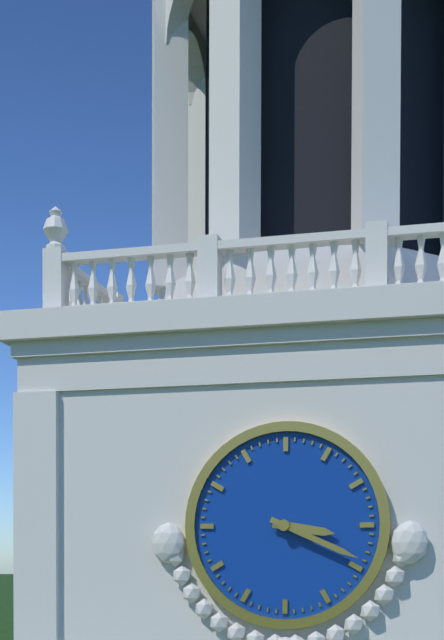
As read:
3:19
